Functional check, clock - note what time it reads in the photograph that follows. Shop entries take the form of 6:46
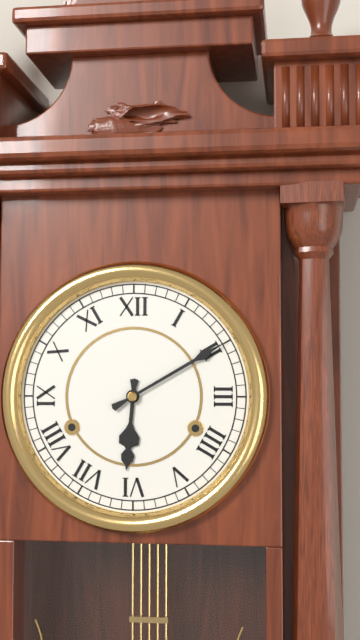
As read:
6:10
